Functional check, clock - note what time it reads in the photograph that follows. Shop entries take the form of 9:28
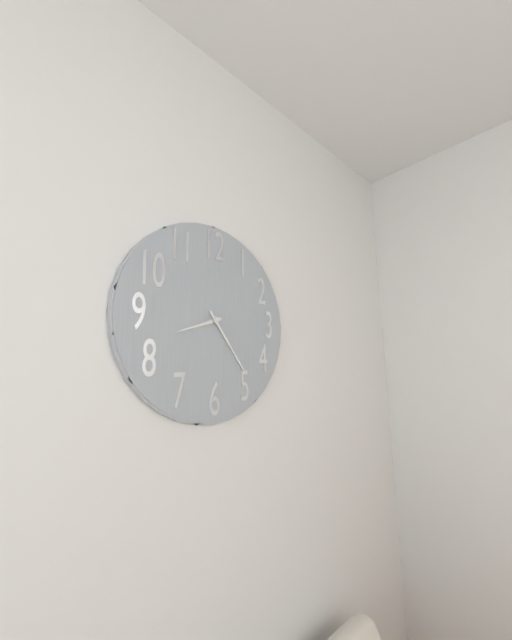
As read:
8:24
